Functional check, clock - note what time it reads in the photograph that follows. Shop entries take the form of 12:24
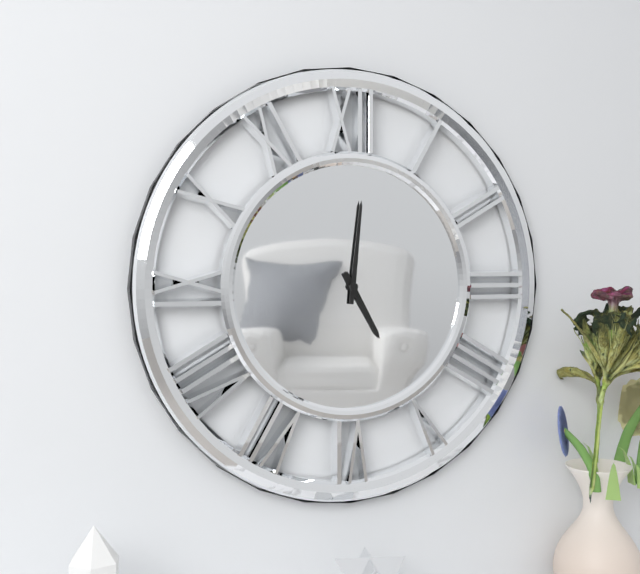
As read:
5:01
